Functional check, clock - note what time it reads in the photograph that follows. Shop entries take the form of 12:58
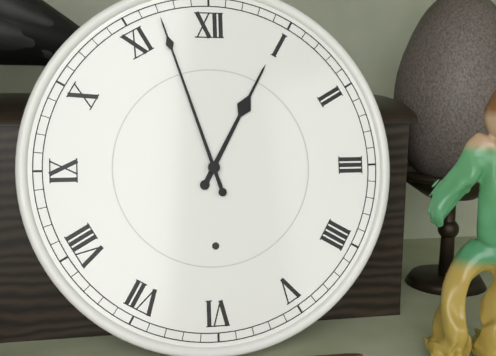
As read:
12:57
